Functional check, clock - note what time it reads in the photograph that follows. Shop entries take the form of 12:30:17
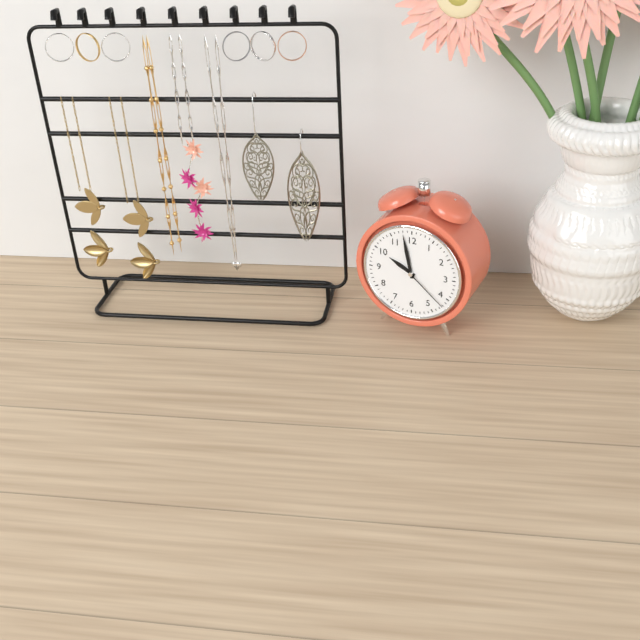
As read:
9:58:22
